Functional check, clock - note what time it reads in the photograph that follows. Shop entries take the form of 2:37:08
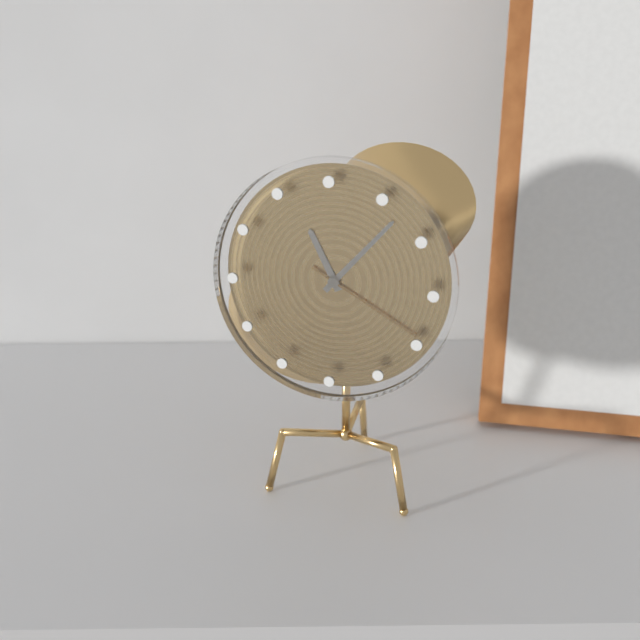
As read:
11:07:20
